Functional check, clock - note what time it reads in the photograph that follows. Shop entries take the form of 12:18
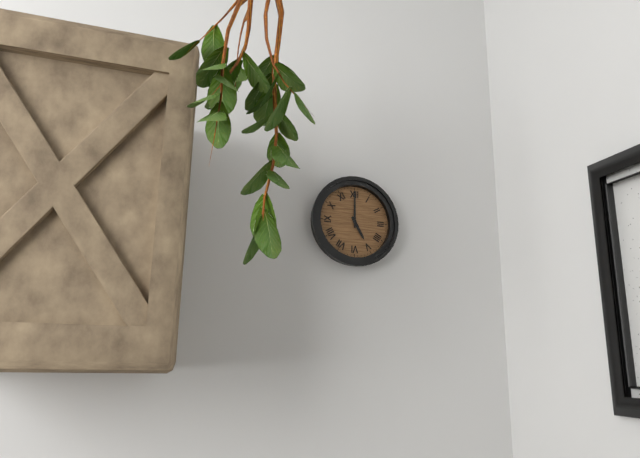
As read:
5:00
